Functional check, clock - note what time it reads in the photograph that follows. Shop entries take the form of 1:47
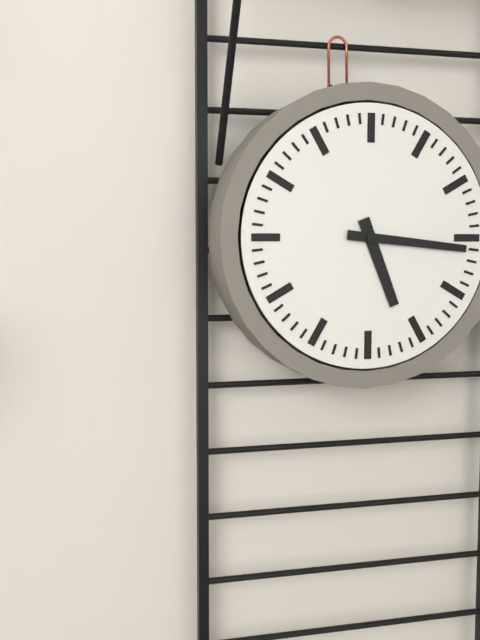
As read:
5:16
